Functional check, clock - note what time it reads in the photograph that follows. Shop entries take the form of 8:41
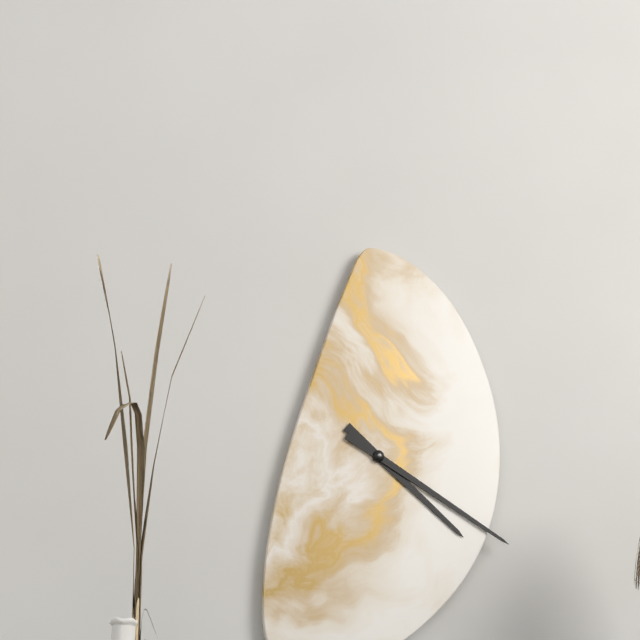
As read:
4:20
